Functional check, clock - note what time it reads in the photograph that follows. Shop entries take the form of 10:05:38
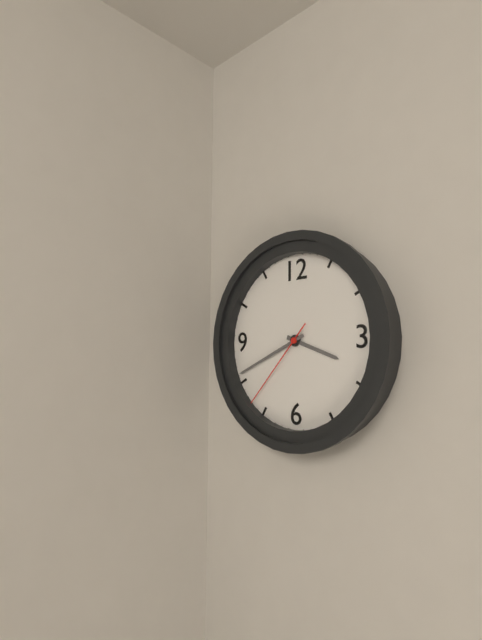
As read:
3:41:37
